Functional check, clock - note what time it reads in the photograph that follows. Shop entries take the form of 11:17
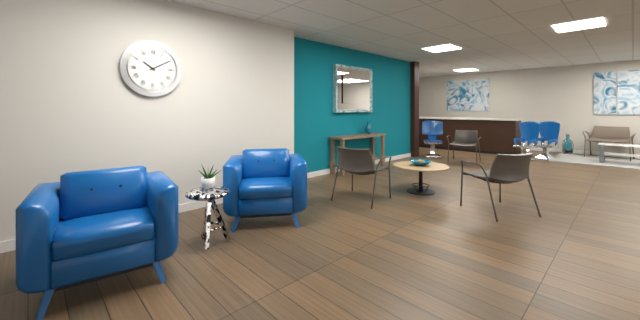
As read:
10:10
